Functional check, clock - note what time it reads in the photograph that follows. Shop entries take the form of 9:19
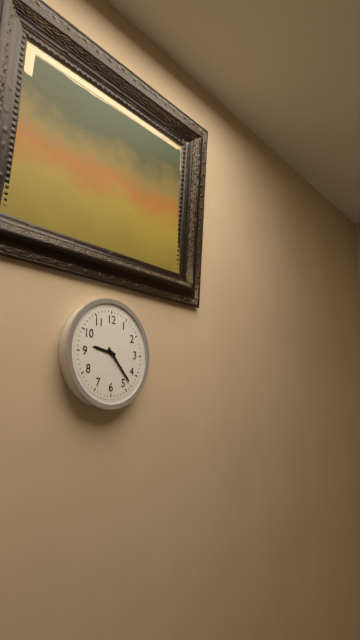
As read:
9:23
